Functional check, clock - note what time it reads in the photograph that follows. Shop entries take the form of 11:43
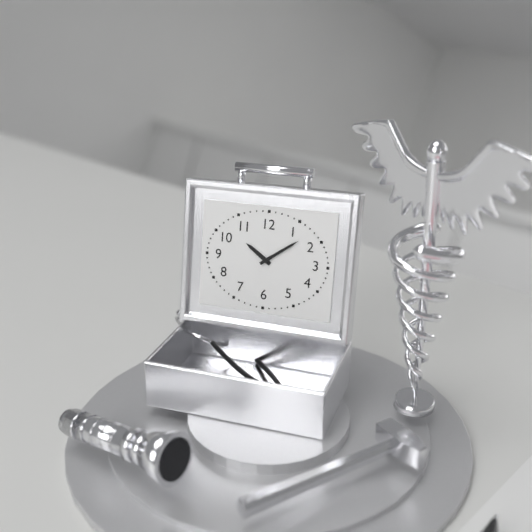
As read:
10:09
